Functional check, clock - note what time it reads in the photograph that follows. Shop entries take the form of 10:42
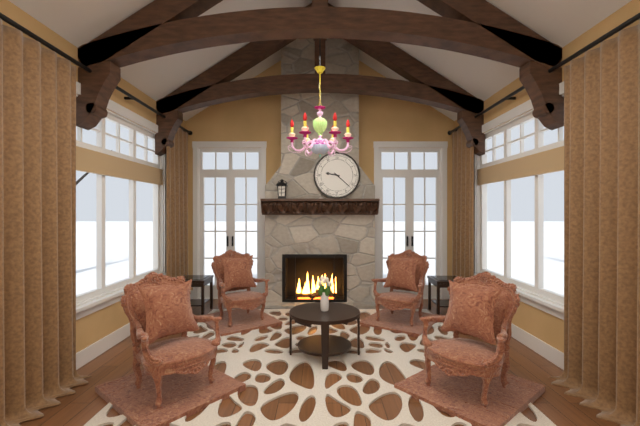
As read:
9:22
